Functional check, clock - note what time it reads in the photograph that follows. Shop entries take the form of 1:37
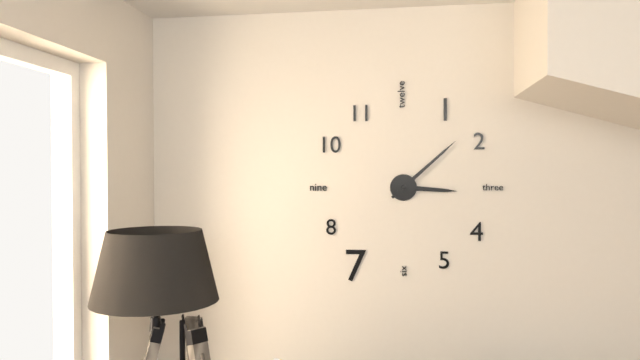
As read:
3:08
